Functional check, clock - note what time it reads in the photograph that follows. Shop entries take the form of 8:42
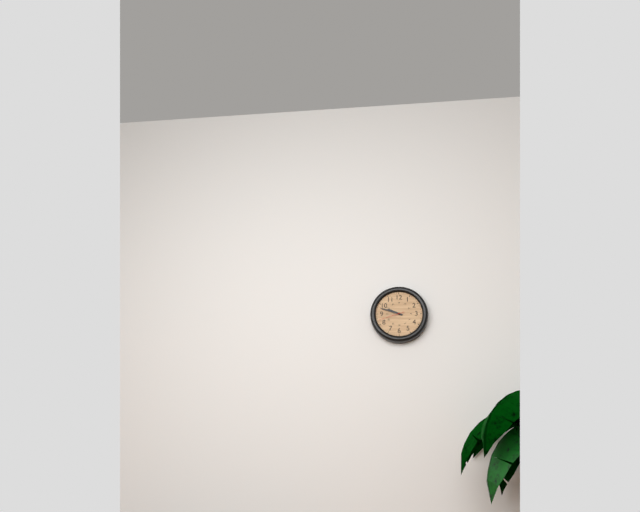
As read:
9:48
